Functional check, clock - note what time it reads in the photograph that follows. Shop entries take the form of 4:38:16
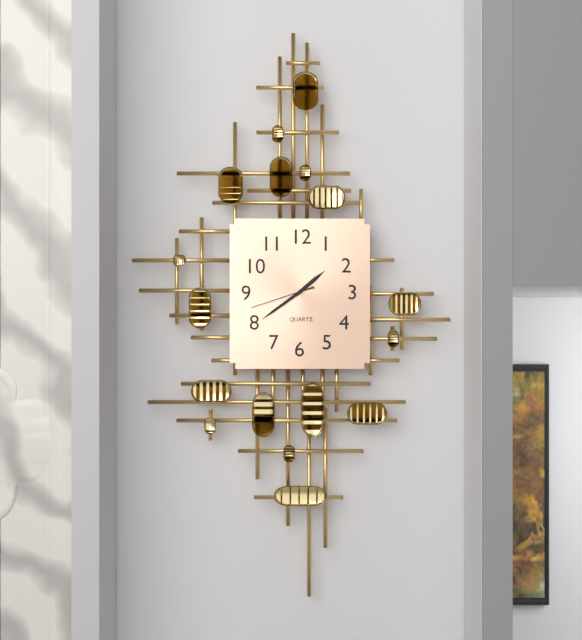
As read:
1:39:42
